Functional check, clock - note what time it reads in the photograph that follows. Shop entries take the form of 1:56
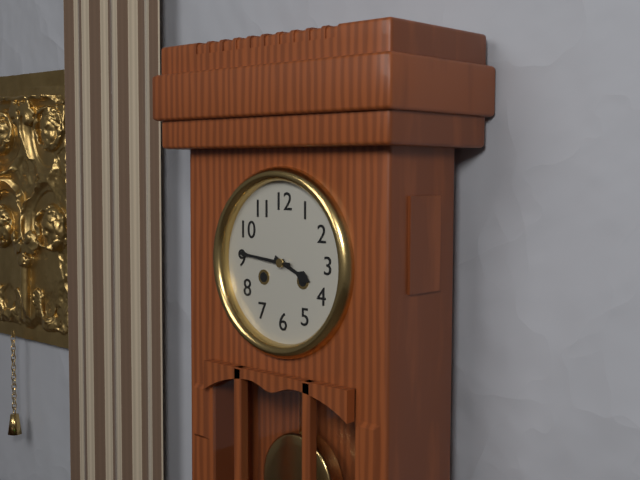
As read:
3:46
